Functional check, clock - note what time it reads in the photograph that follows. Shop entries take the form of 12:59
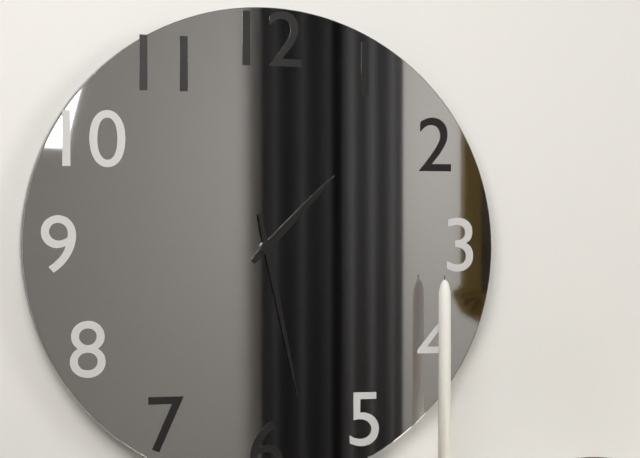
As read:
1:28
